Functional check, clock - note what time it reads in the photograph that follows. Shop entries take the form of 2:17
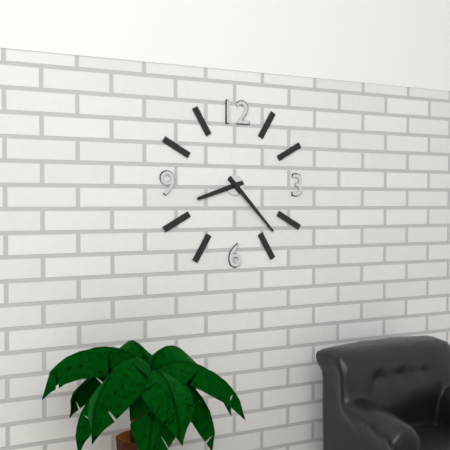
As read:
8:23
